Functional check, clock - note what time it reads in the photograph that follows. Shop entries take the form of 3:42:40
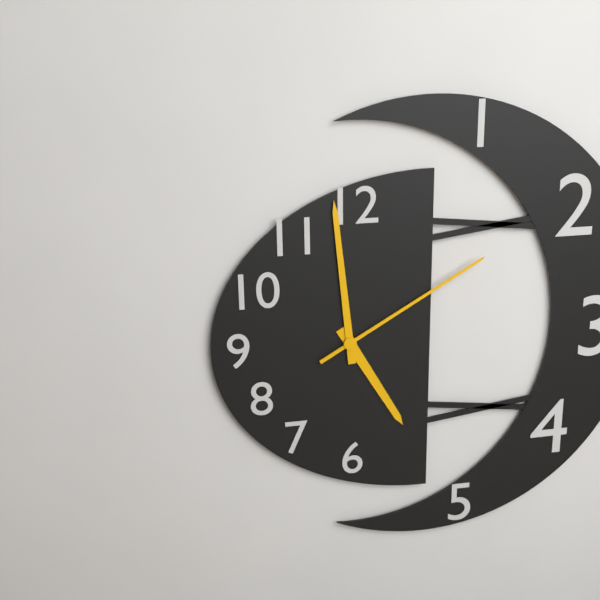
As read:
4:59:10
